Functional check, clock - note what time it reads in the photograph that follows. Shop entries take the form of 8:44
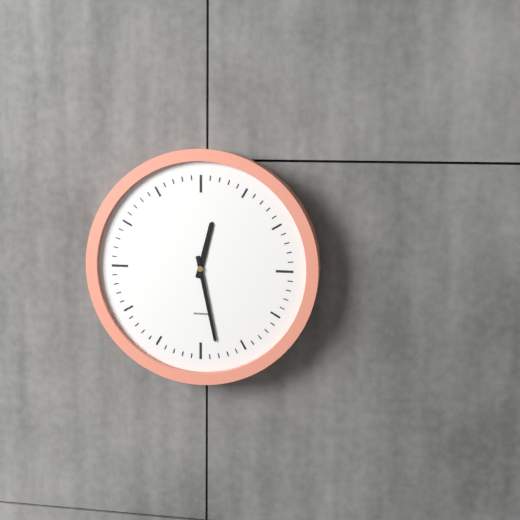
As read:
12:28
